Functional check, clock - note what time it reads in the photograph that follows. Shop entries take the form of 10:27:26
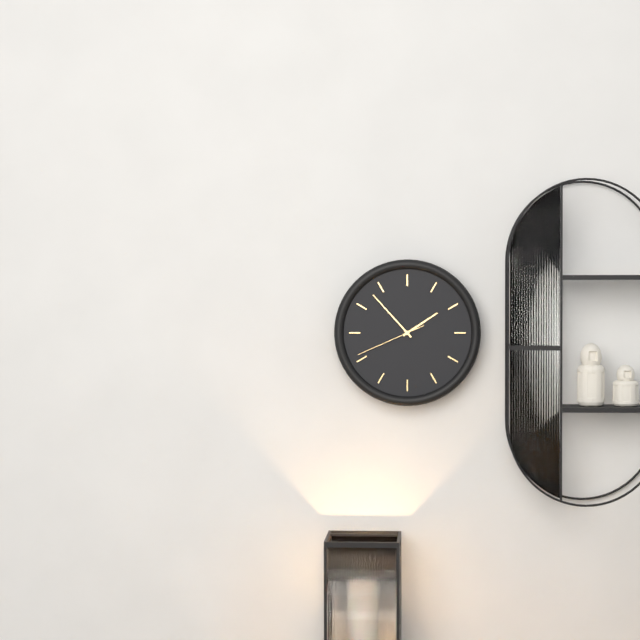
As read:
1:53:41
